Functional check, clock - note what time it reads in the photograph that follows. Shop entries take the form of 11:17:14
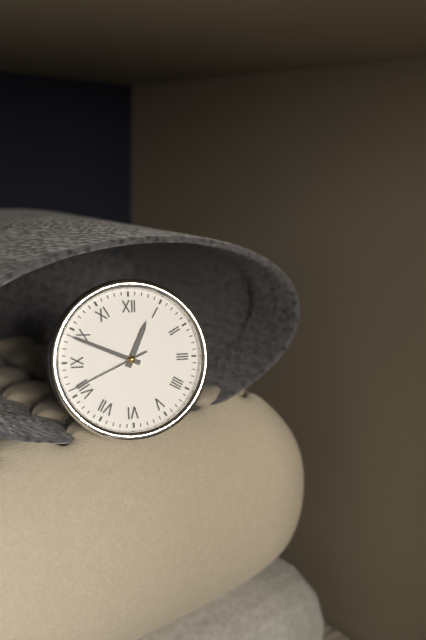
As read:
12:49:41
